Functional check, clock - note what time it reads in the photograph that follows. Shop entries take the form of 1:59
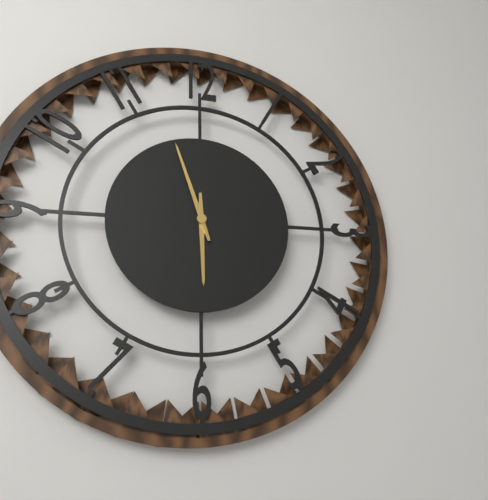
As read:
5:57
